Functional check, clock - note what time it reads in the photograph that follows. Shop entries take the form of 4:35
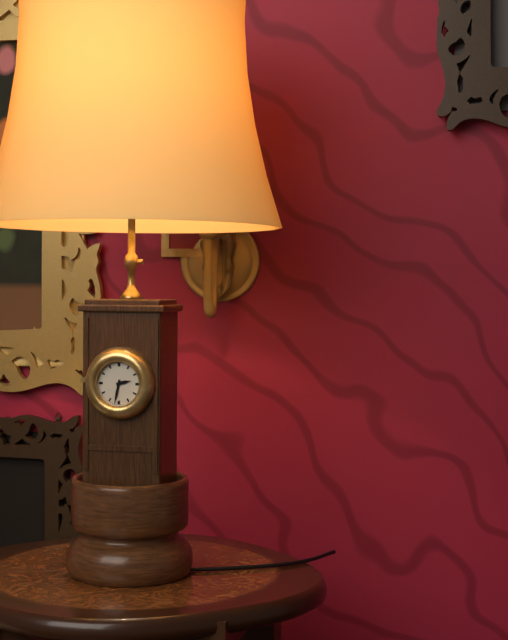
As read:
2:32
